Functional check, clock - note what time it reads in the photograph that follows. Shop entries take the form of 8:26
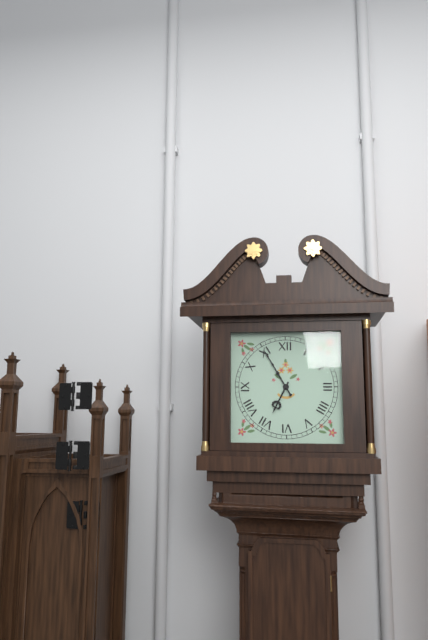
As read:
6:55
